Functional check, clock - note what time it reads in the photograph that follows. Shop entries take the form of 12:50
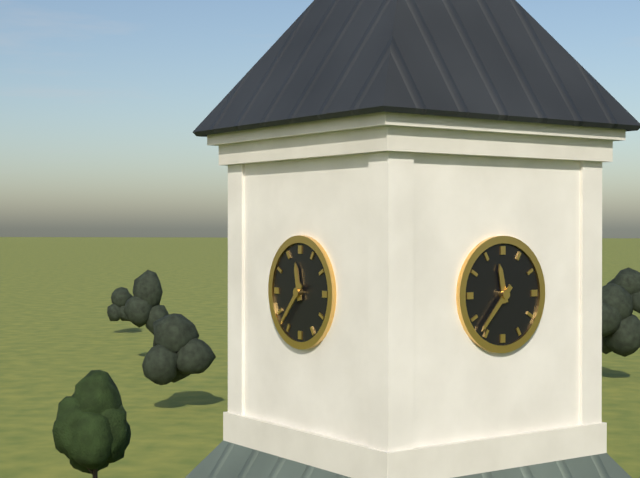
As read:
11:37
